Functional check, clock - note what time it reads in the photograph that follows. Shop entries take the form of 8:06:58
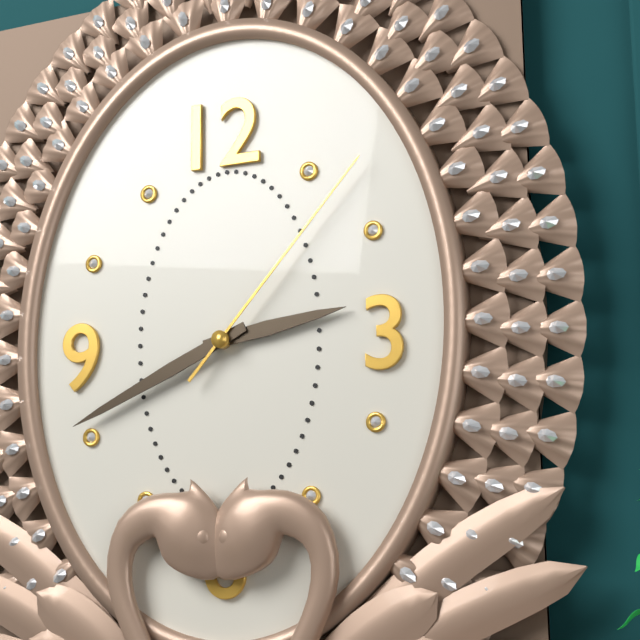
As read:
2:41:07
